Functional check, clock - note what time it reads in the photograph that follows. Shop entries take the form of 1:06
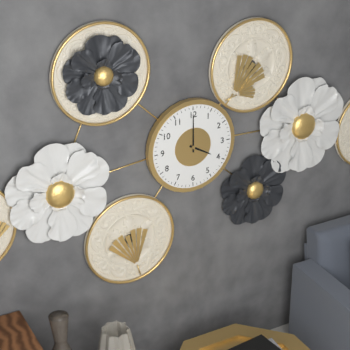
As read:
4:00
